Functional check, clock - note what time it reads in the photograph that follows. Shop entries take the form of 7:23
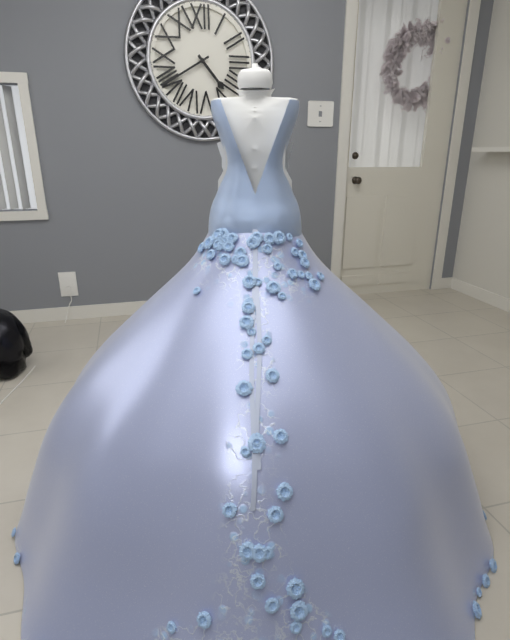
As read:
4:40
